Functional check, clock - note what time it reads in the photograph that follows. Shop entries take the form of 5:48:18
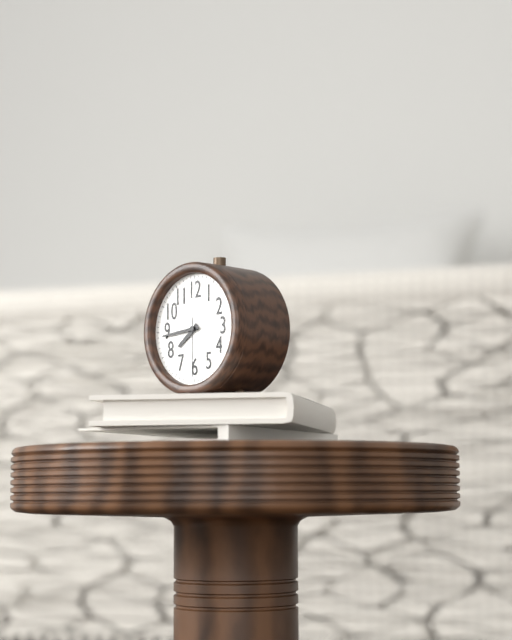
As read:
7:44:30
